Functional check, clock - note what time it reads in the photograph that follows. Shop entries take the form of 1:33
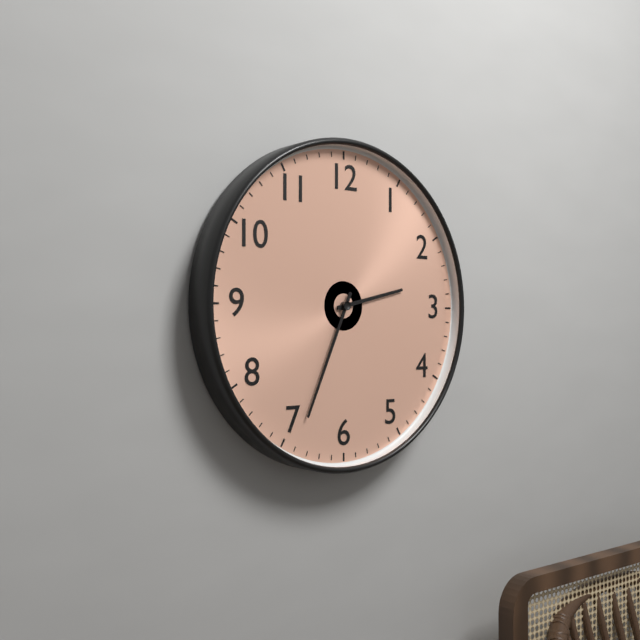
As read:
2:34
